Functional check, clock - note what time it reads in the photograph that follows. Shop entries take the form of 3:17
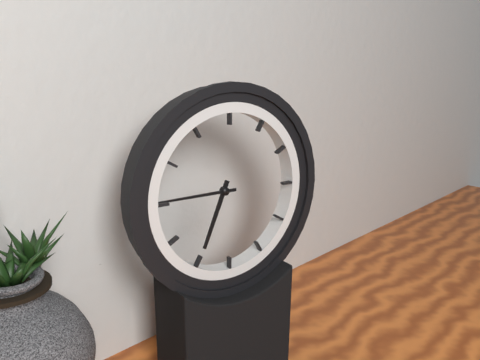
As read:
6:45
